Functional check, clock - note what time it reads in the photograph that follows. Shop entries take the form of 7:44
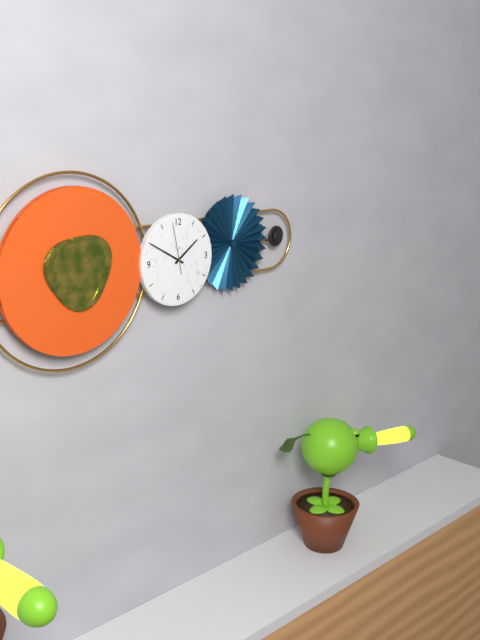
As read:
1:50
